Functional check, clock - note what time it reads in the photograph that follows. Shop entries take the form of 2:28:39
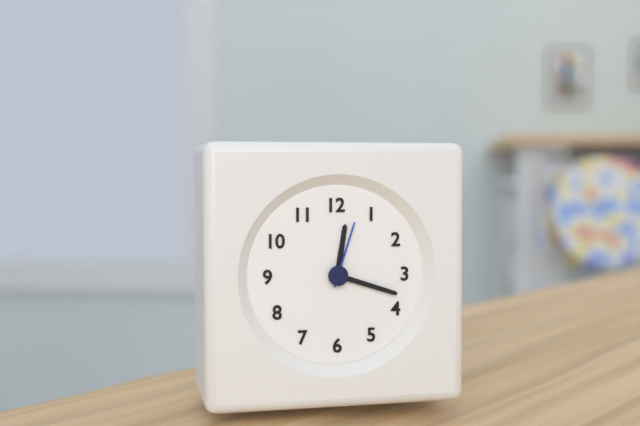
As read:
12:18:03
